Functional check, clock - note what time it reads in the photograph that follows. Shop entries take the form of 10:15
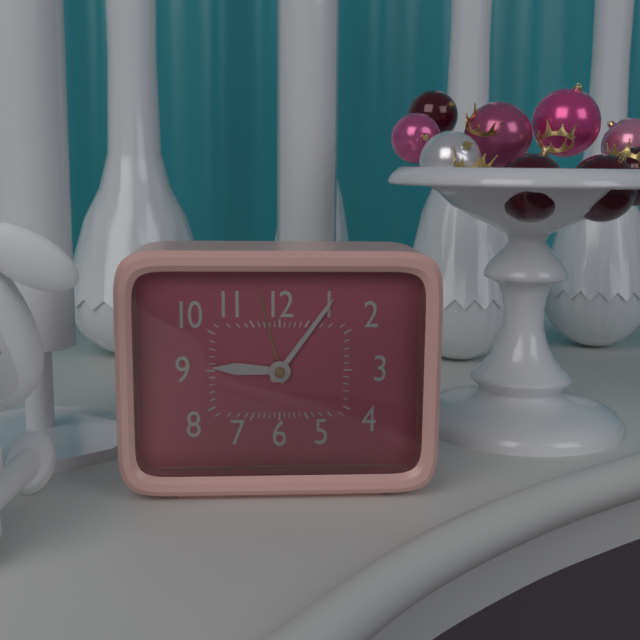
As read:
9:06
